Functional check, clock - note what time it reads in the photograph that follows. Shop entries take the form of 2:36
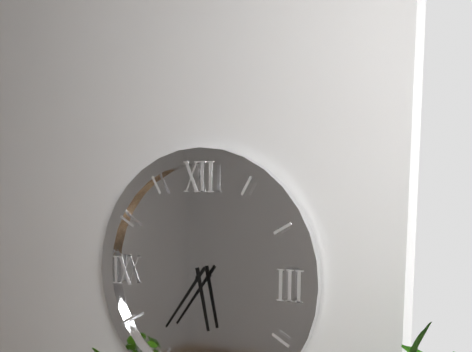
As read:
5:36
